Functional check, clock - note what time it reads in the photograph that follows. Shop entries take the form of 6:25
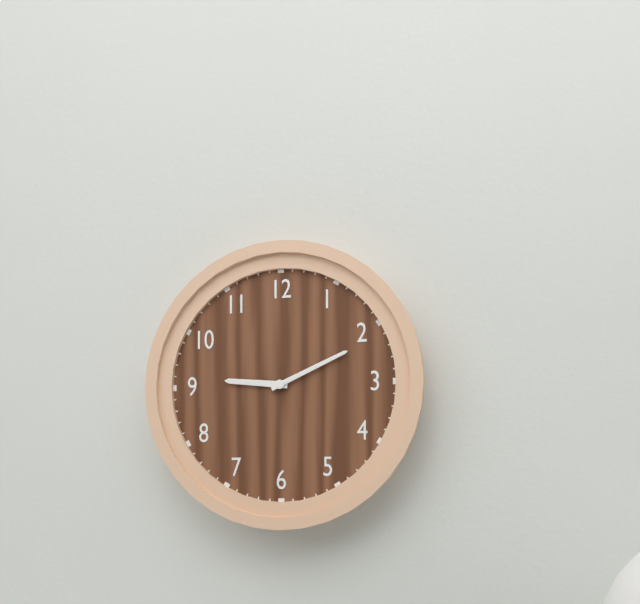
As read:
9:11
